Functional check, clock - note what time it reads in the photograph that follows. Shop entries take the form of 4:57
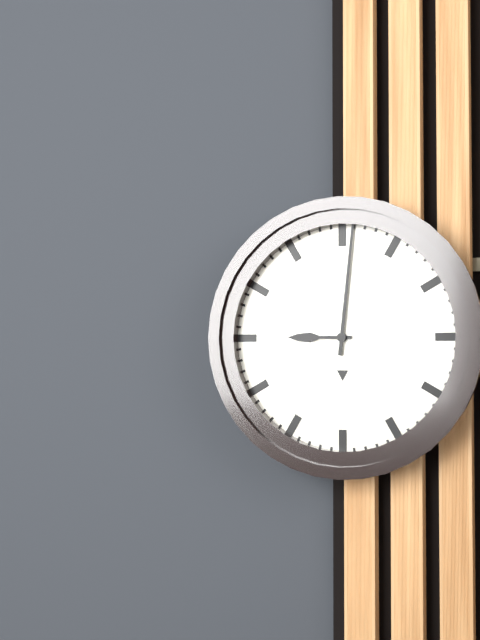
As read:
9:01
